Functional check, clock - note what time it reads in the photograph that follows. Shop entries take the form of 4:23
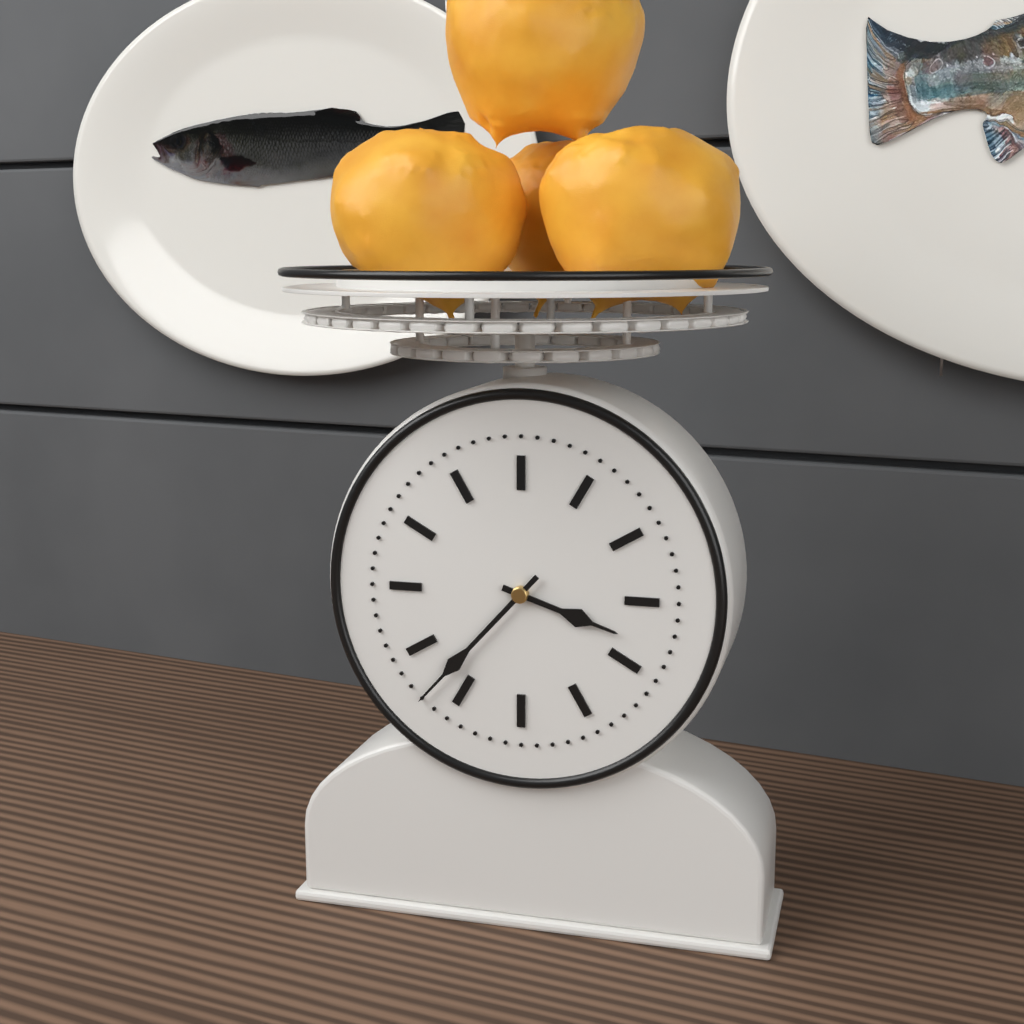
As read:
3:37
